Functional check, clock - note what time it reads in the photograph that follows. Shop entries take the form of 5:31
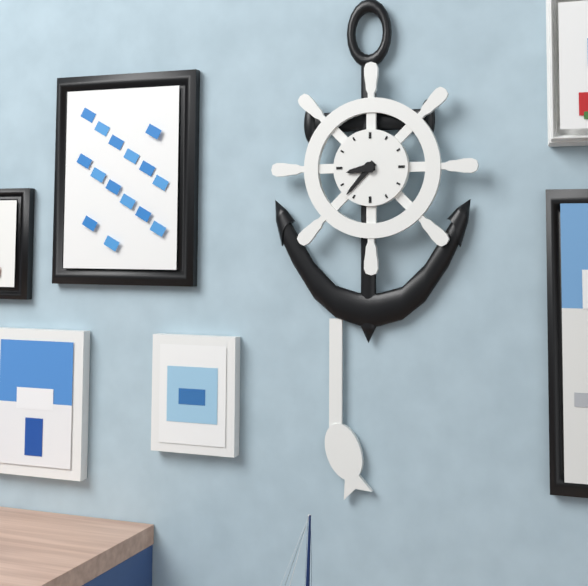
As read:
8:37
